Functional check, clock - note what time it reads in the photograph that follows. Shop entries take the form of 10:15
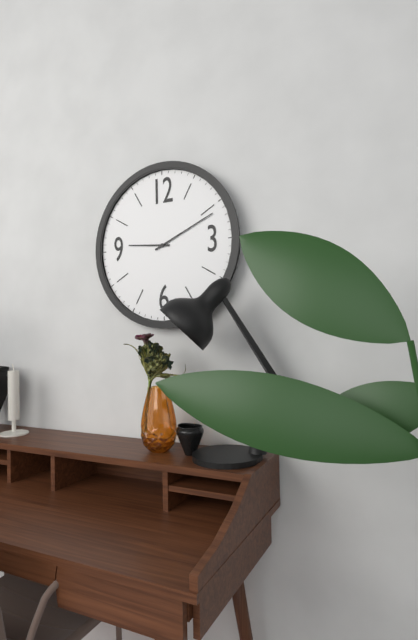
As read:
9:11
